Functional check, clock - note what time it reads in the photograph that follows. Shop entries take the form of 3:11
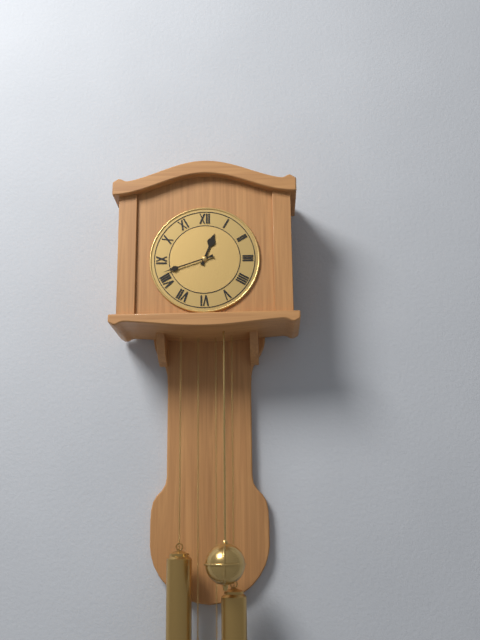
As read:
12:42
